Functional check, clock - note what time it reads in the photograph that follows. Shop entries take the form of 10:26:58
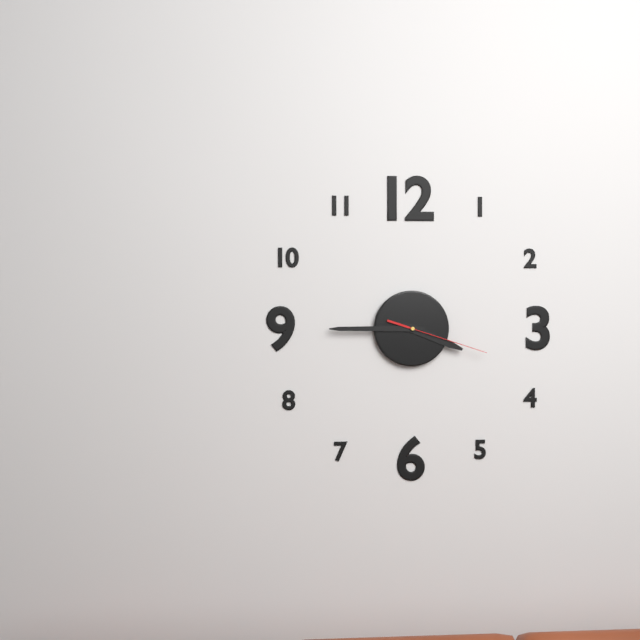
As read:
3:45:18
